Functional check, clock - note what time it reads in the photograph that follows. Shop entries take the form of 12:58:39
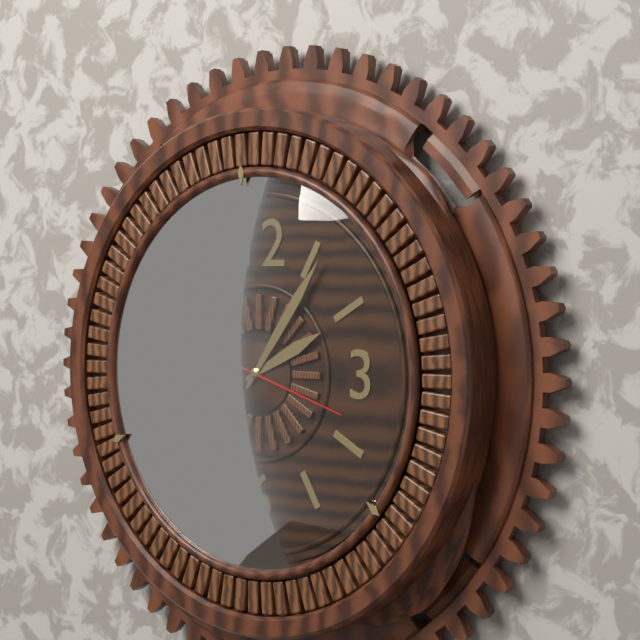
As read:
2:06:18
